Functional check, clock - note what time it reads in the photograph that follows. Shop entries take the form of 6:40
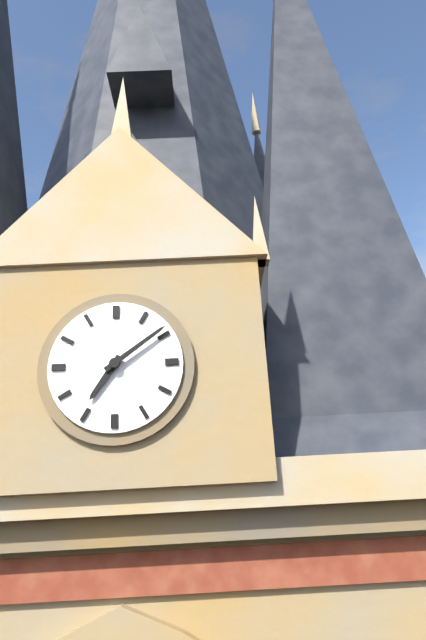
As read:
7:09
